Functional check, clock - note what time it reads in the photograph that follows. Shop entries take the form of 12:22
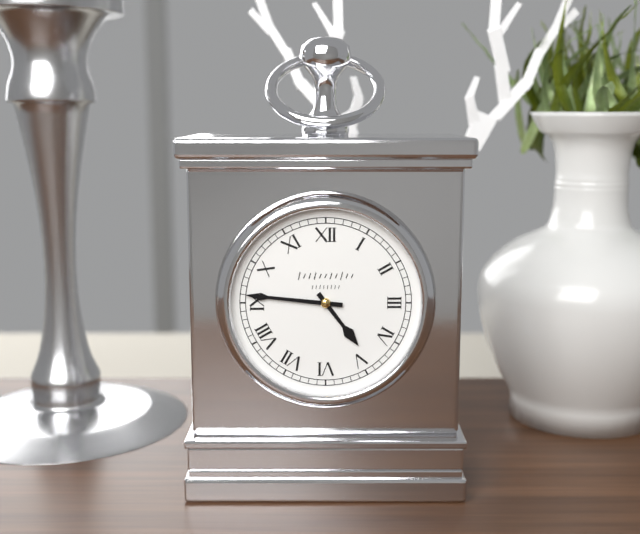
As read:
4:46
